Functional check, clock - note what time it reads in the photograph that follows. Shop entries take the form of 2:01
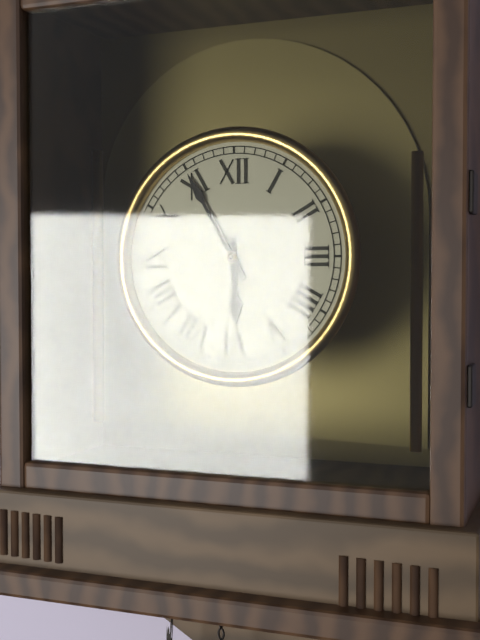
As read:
5:55
